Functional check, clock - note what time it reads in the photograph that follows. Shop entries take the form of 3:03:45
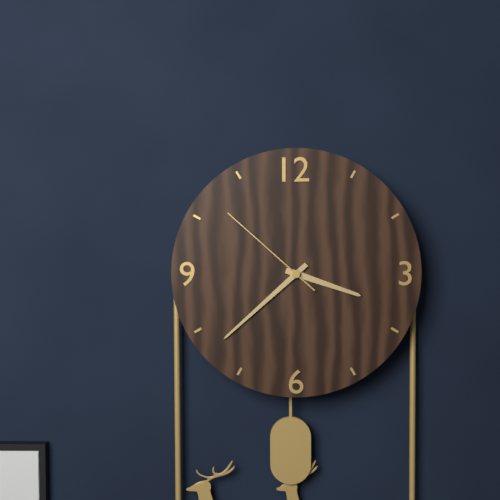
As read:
3:38:52
